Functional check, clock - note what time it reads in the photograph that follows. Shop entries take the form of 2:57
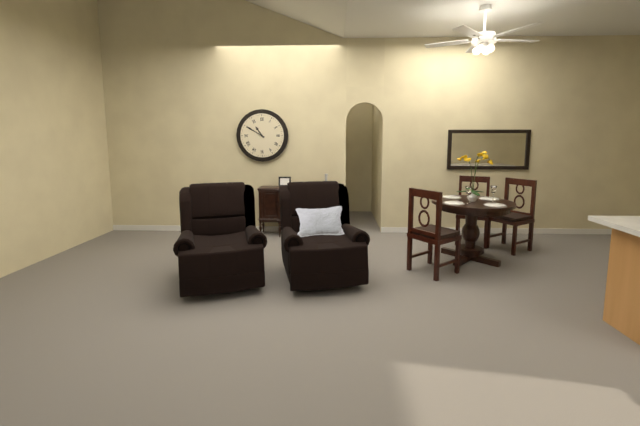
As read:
10:50
